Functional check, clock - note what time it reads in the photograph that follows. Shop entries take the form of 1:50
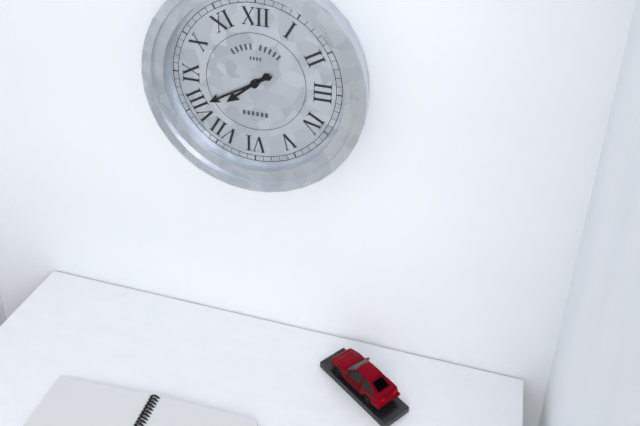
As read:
7:40
